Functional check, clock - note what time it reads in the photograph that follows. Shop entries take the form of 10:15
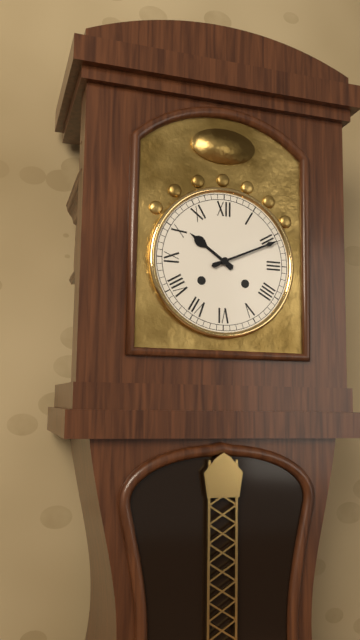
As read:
10:11
